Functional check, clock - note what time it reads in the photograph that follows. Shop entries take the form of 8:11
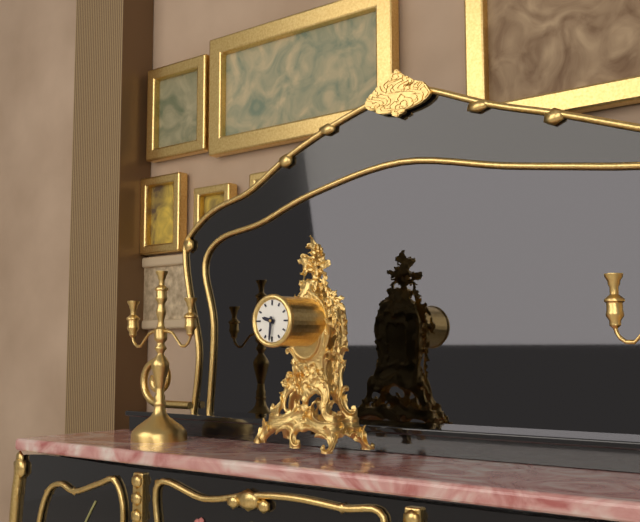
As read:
9:31
